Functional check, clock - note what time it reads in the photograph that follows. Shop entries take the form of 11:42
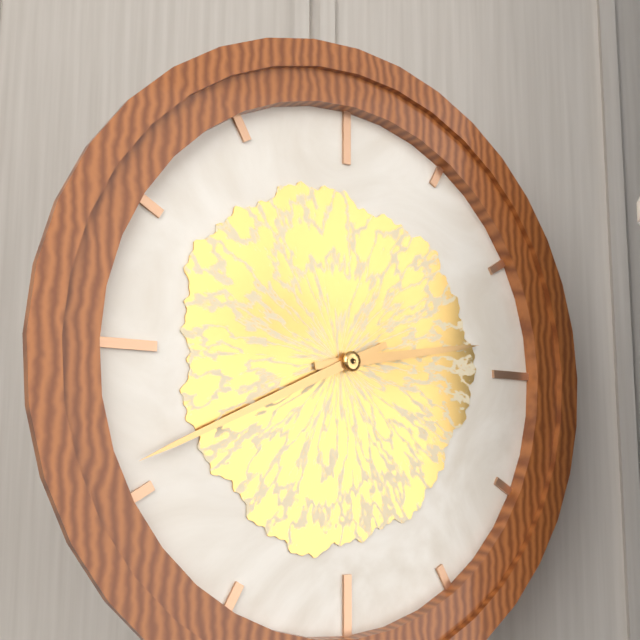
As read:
2:41
